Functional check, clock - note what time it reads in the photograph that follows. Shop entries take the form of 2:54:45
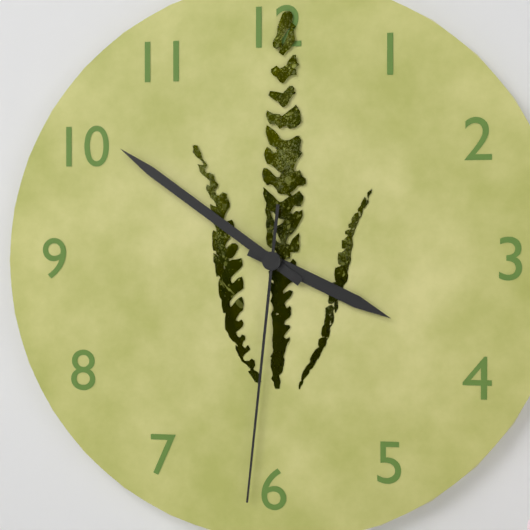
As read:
3:51:31
